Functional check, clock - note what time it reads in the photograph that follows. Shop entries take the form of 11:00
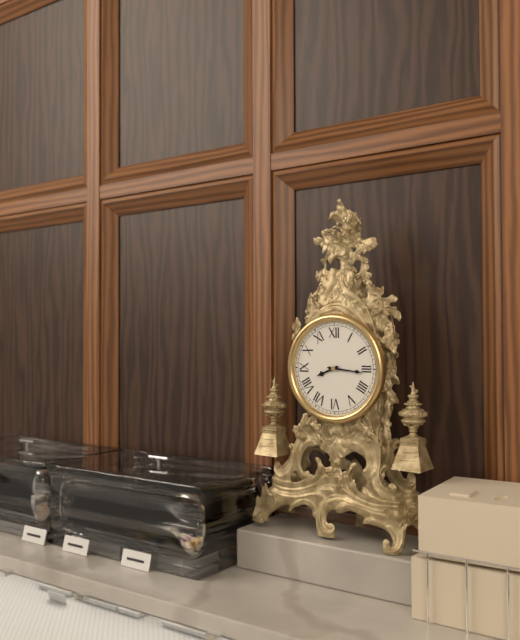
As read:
8:16
